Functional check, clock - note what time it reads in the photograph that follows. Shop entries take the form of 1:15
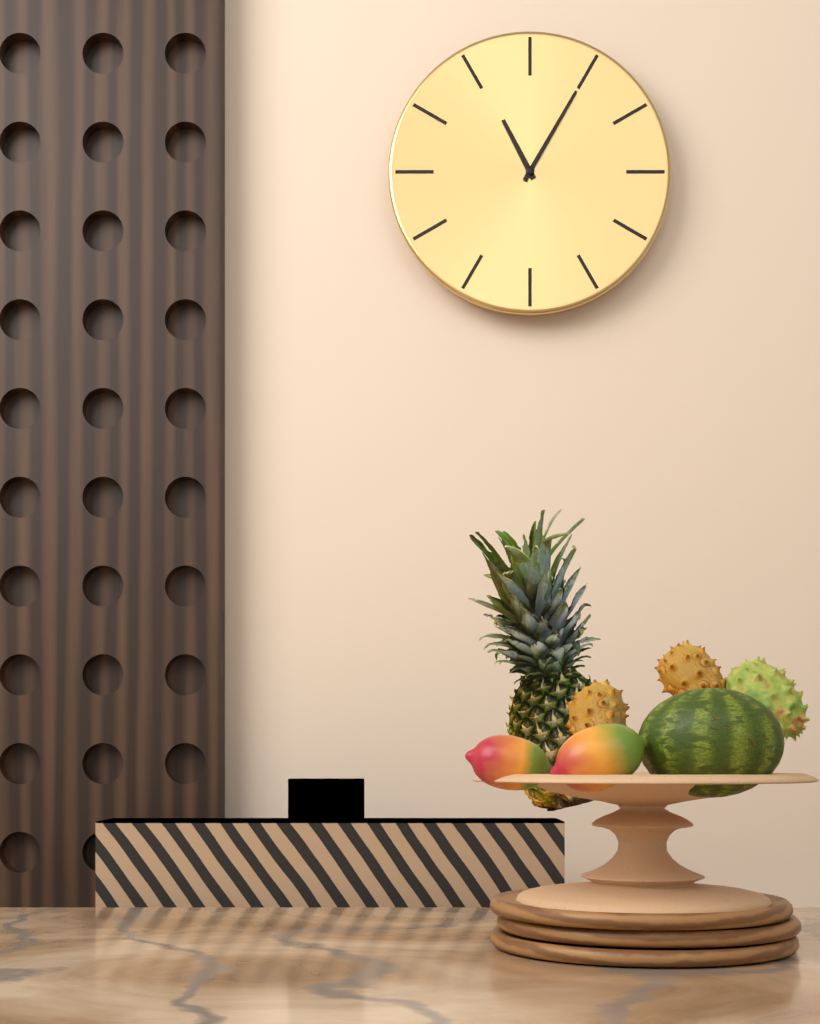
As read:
11:05
